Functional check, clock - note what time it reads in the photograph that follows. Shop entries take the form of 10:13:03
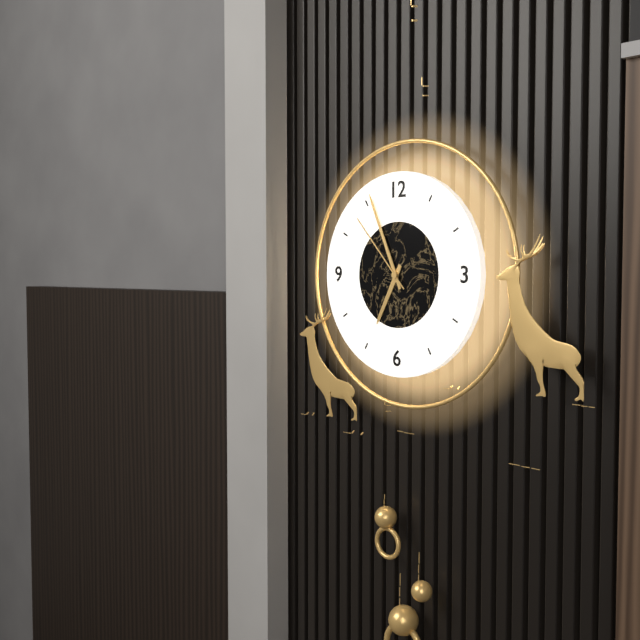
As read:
6:56:53
